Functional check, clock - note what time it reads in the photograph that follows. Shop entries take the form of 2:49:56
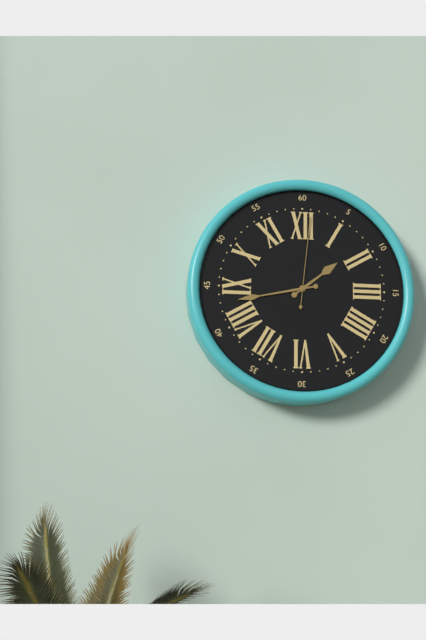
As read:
1:43:01
